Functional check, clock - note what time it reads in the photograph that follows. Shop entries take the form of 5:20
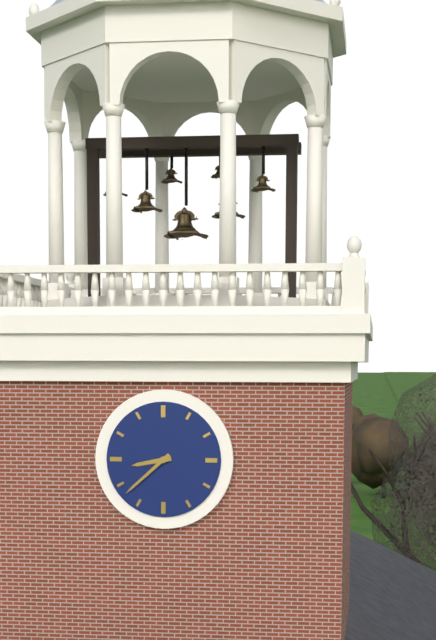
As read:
8:38
